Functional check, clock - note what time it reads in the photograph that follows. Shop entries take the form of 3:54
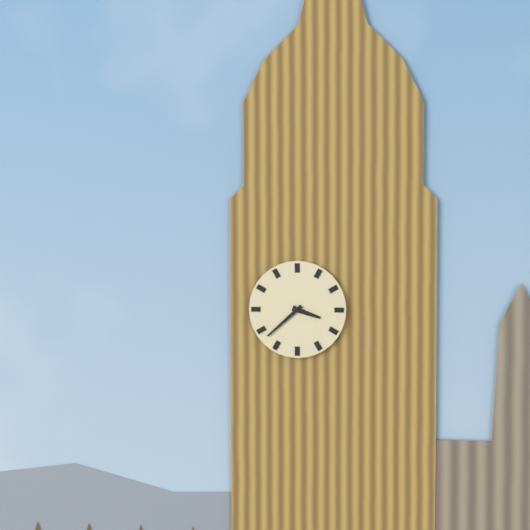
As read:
3:38
